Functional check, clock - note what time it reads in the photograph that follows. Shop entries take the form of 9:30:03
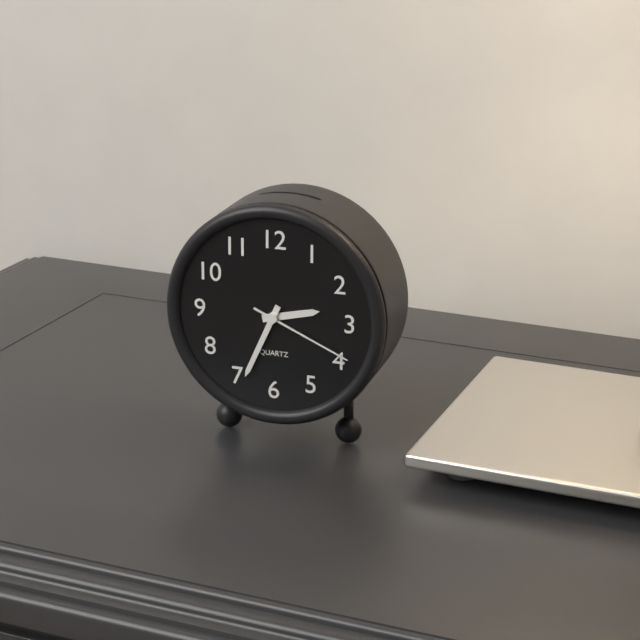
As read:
2:34:19
